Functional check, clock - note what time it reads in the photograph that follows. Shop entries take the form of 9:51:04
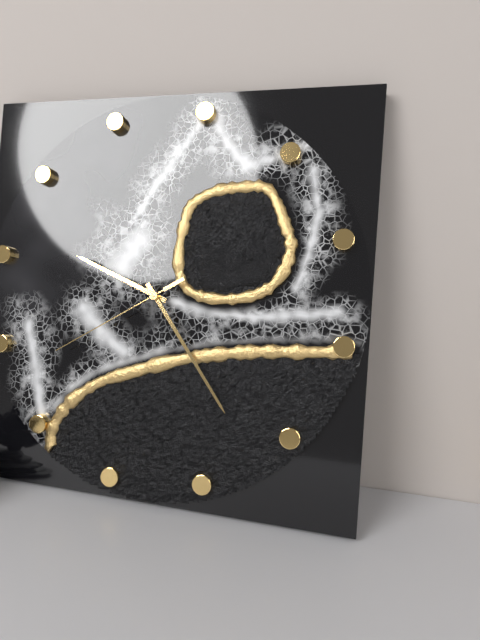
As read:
9:22:38
